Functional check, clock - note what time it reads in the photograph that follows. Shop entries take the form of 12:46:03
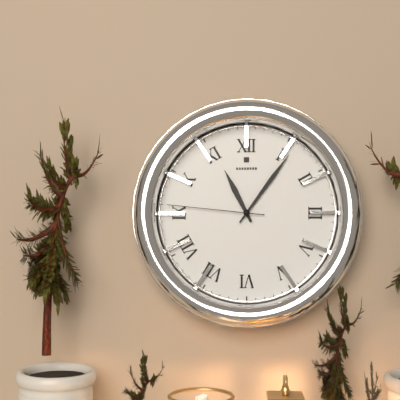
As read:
11:06:46
